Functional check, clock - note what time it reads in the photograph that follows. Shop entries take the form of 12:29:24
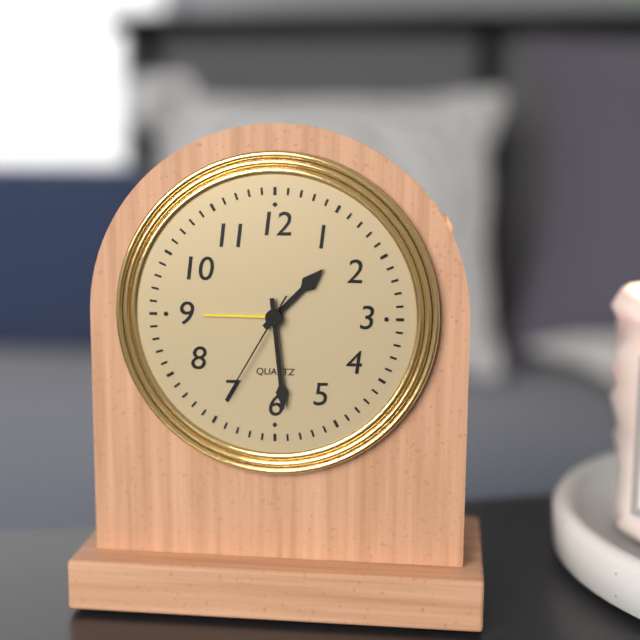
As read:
1:29:35
